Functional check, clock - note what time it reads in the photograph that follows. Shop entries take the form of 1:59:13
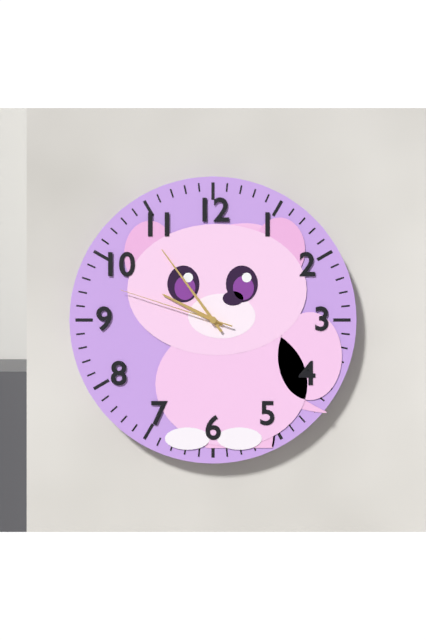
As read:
9:54:48
